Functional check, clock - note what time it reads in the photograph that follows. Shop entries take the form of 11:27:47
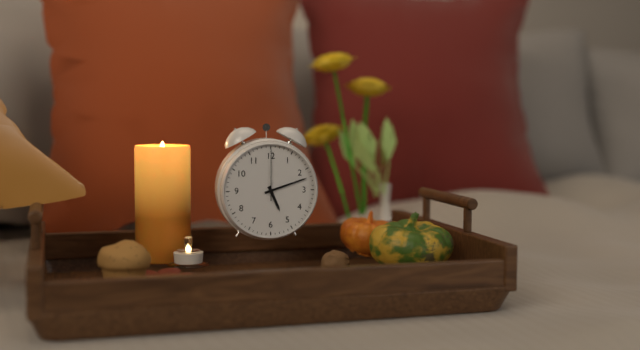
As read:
5:12:00
